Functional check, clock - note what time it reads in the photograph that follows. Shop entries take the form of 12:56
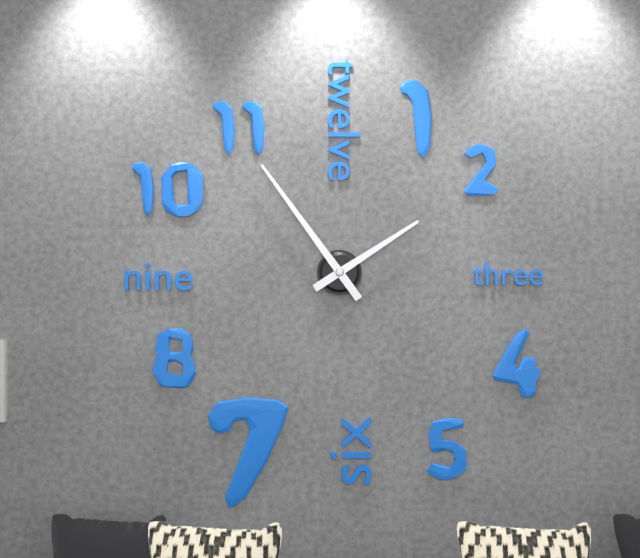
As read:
1:54
